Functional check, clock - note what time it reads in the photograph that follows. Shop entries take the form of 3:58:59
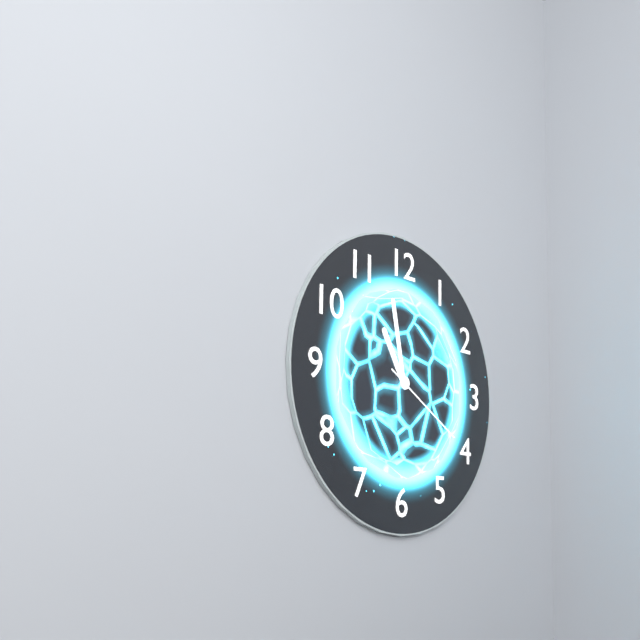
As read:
10:58:20
